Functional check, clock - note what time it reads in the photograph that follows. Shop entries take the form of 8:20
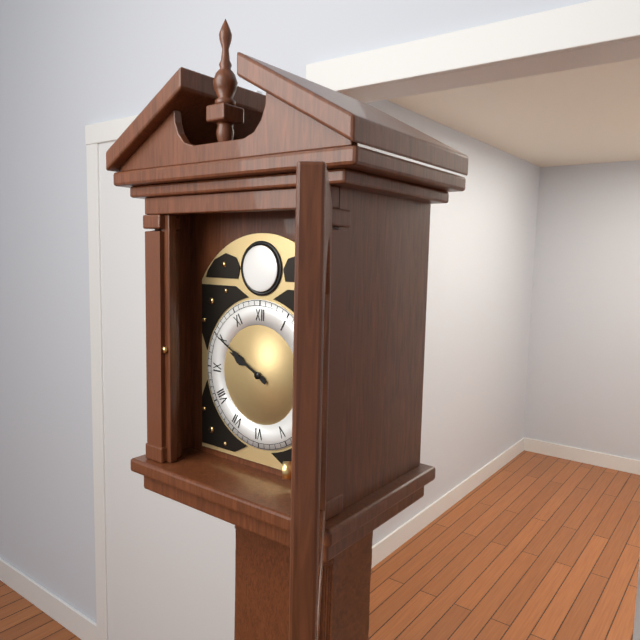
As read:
9:50
